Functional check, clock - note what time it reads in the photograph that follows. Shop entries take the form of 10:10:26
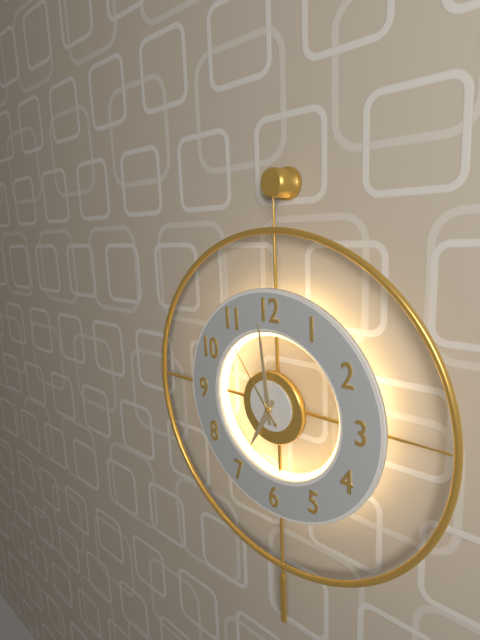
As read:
6:59:54
